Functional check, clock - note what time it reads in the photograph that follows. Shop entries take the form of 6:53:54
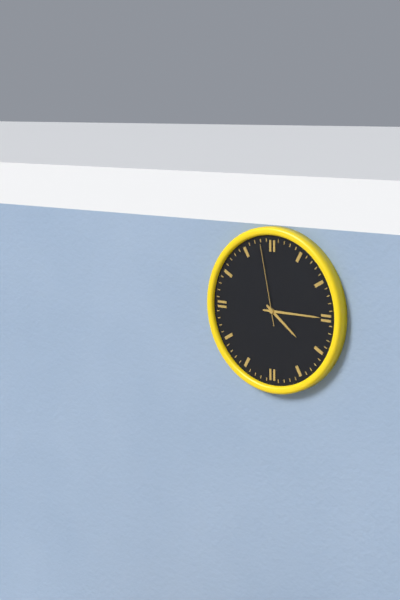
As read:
4:15:58
